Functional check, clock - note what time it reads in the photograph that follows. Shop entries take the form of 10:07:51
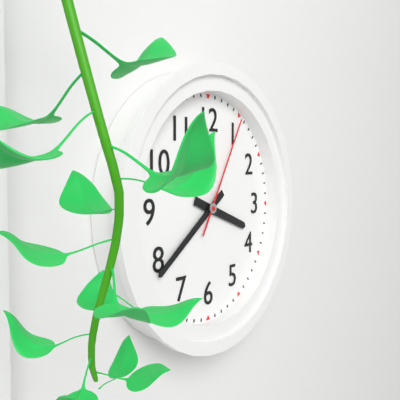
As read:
3:39:05
